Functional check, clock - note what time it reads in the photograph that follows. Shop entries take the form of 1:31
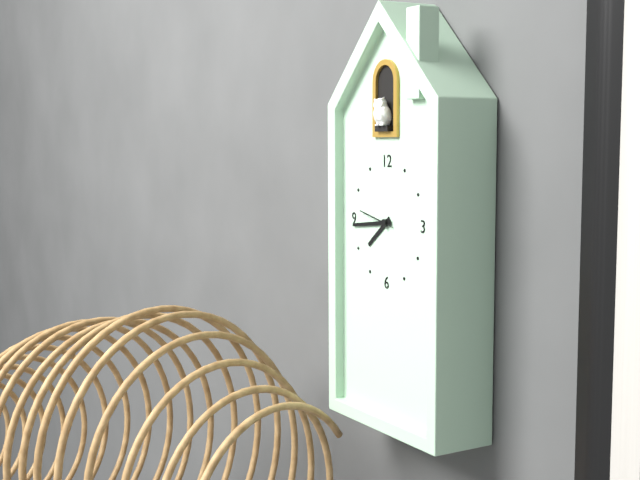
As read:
7:44
